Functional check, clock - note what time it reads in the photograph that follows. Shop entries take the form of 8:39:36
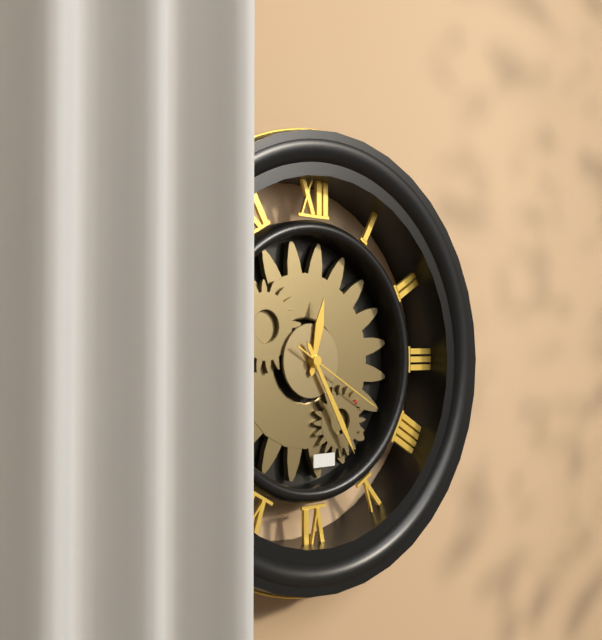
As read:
12:25:20
